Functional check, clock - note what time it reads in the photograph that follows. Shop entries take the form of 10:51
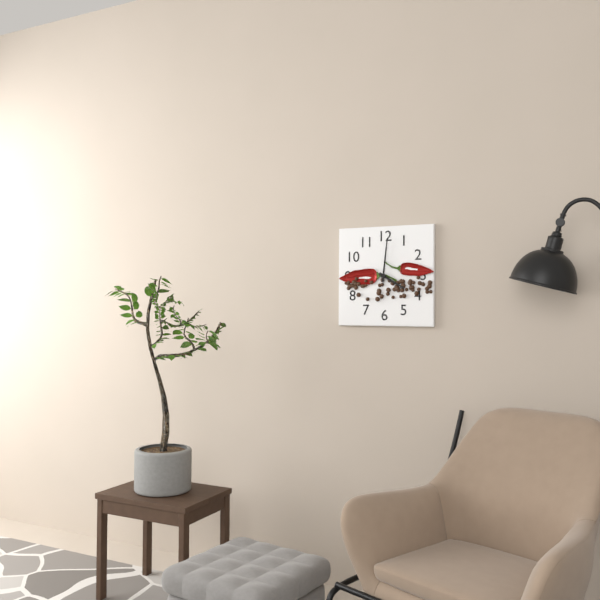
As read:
4:01
